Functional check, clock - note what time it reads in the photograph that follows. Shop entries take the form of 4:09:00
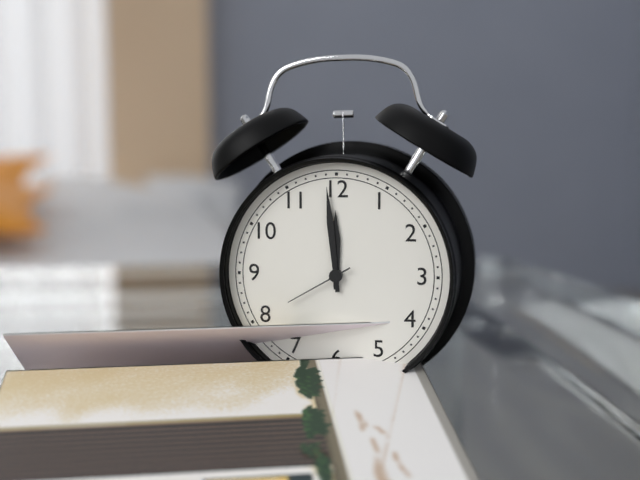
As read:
11:59:40
